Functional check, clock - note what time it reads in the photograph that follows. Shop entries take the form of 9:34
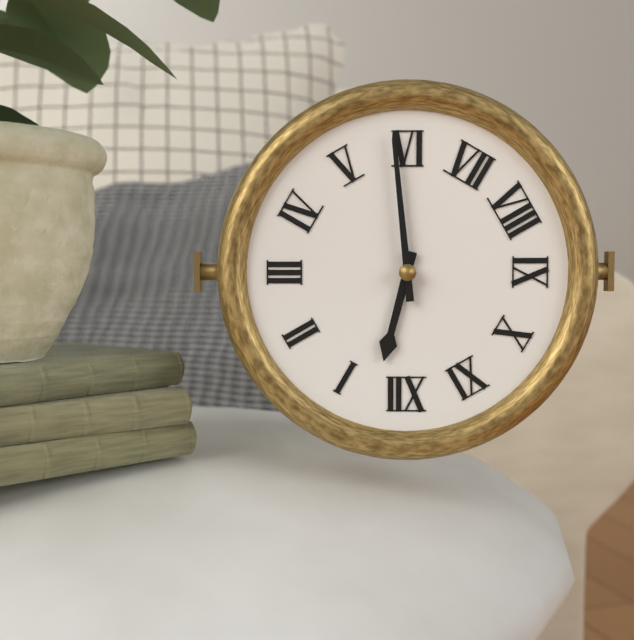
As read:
12:29
